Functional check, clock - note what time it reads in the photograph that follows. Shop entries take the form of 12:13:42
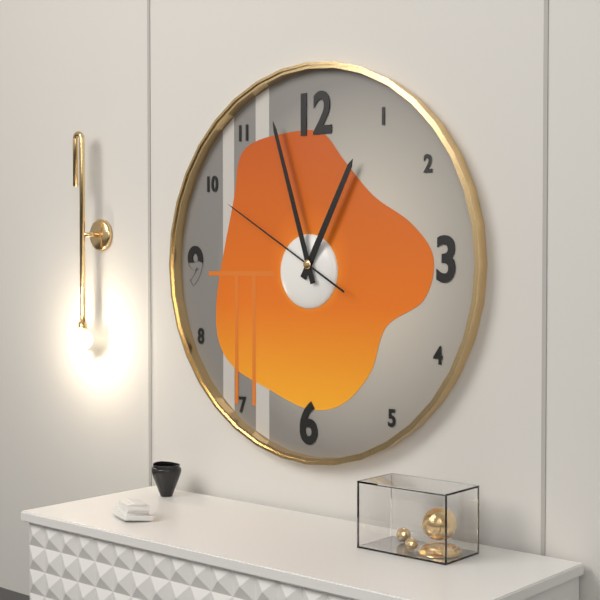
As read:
12:57:50
